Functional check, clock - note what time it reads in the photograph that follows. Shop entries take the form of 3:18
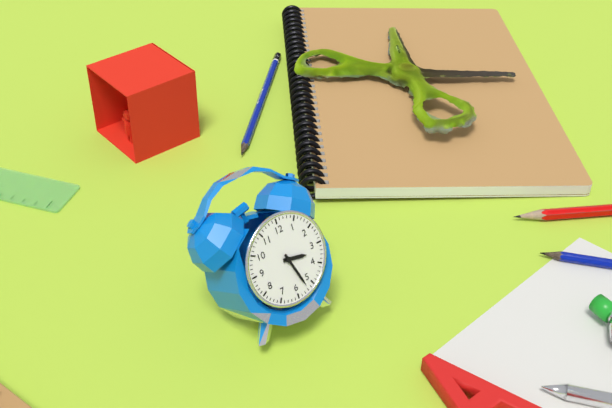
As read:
3:27
